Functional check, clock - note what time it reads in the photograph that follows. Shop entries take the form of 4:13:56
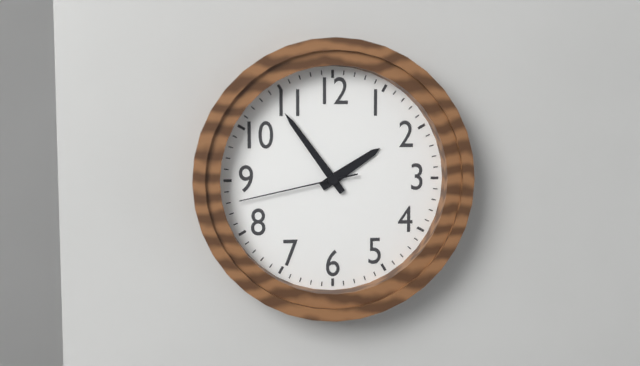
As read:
1:54:43
